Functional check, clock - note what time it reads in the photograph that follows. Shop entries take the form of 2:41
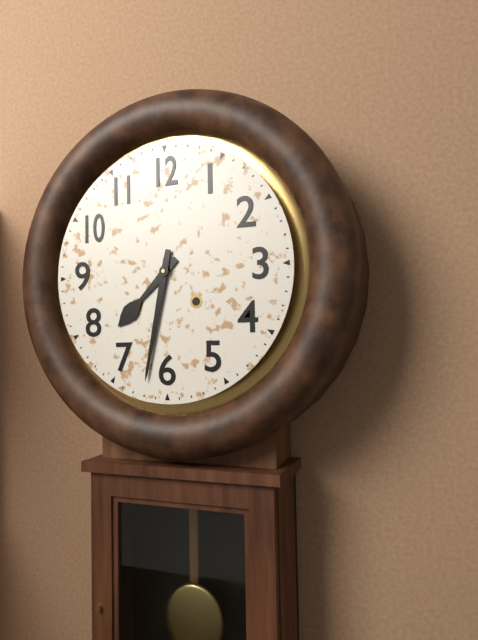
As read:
7:32
